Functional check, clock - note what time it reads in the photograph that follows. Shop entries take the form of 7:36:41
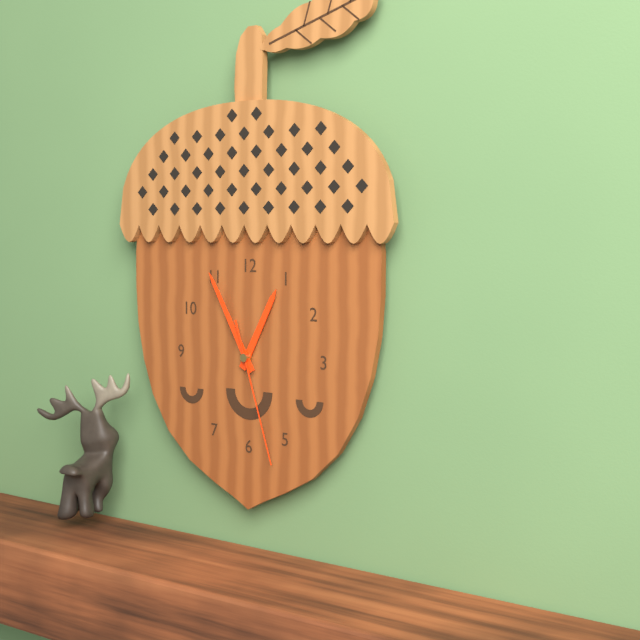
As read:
12:55:27
